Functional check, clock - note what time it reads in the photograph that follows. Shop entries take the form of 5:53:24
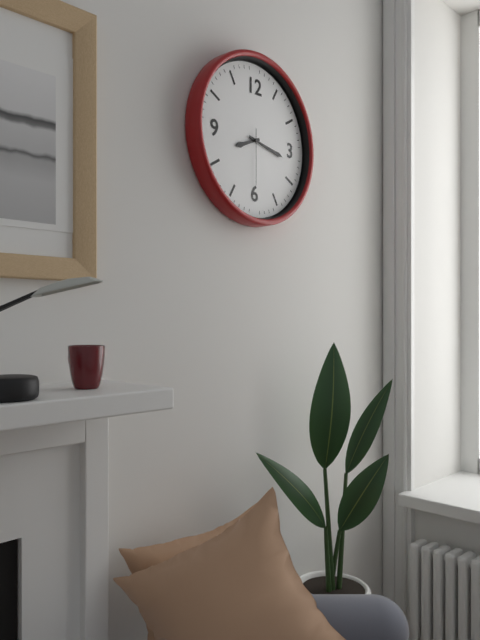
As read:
8:17:30
